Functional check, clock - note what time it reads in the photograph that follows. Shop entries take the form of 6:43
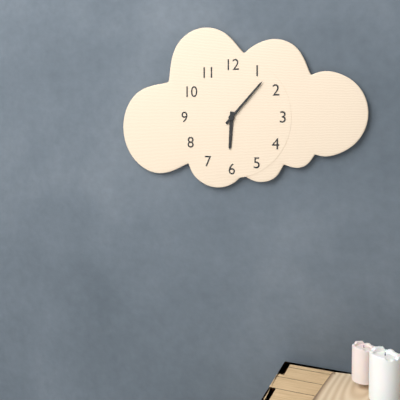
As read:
6:07
